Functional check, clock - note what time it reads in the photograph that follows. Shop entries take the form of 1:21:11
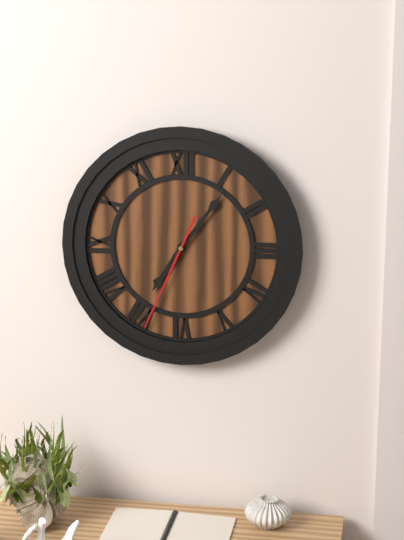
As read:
7:06:34
